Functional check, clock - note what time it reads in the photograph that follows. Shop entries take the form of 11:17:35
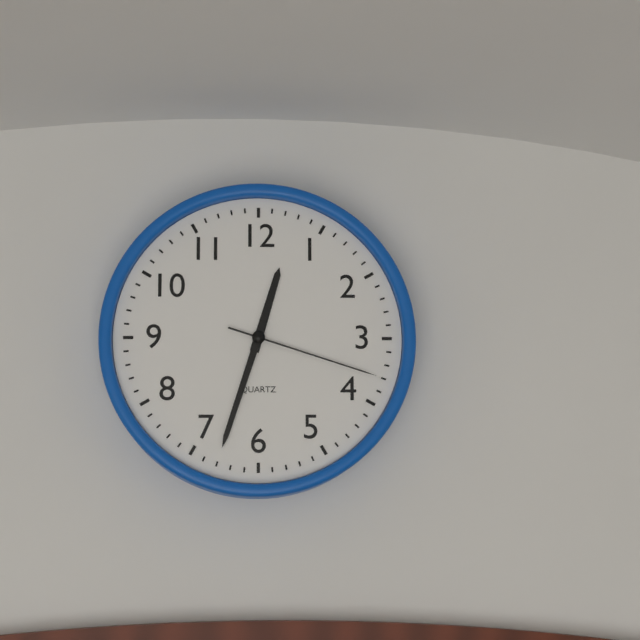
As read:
12:33:18
